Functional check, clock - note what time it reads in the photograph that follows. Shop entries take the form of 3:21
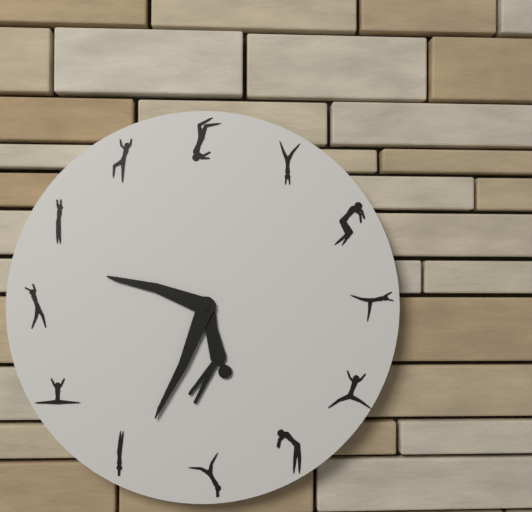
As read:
9:34
